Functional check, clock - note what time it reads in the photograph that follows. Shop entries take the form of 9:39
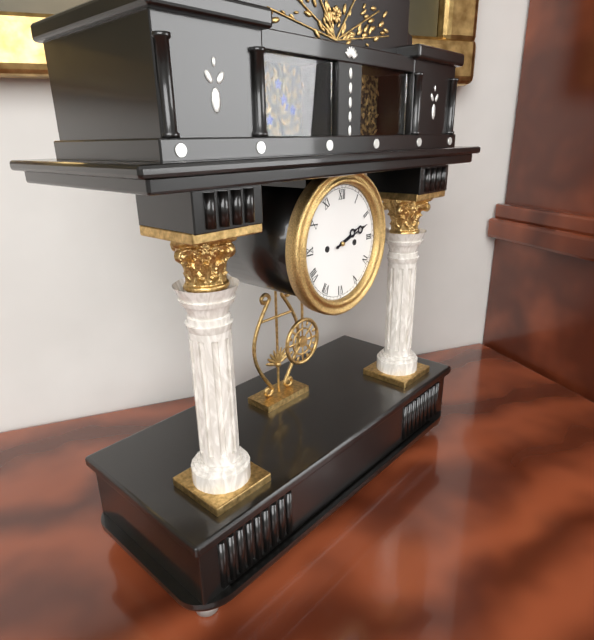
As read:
2:12
